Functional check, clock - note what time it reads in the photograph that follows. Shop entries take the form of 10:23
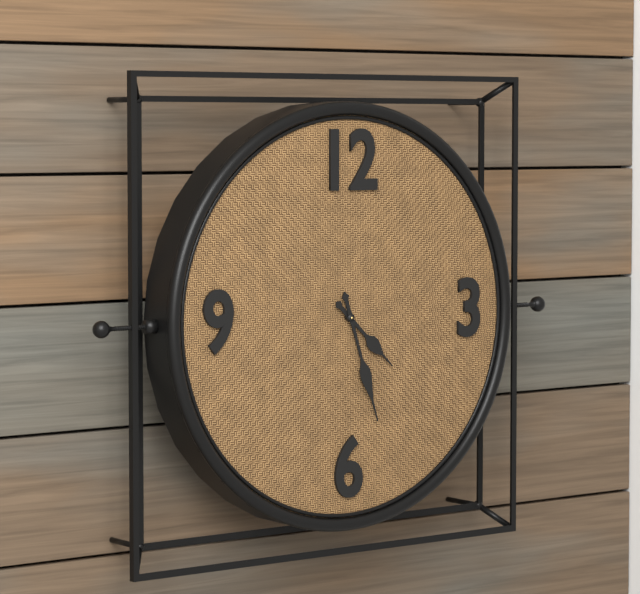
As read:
4:27
